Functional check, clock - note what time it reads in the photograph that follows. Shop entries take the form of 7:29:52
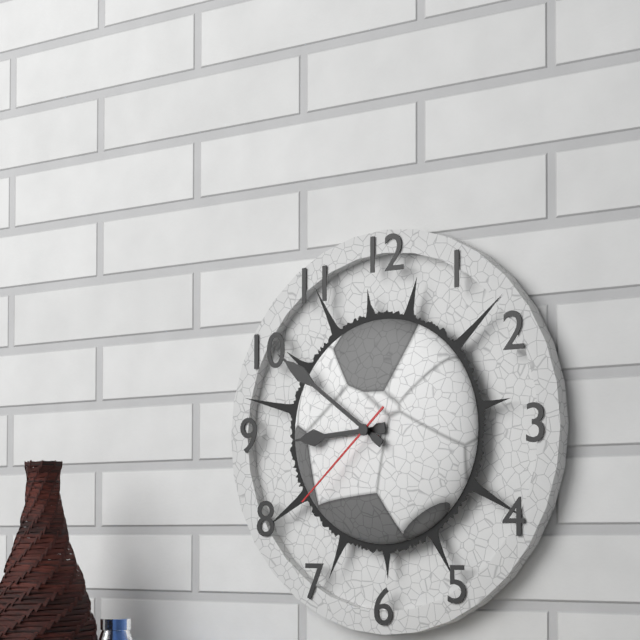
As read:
8:51:38
